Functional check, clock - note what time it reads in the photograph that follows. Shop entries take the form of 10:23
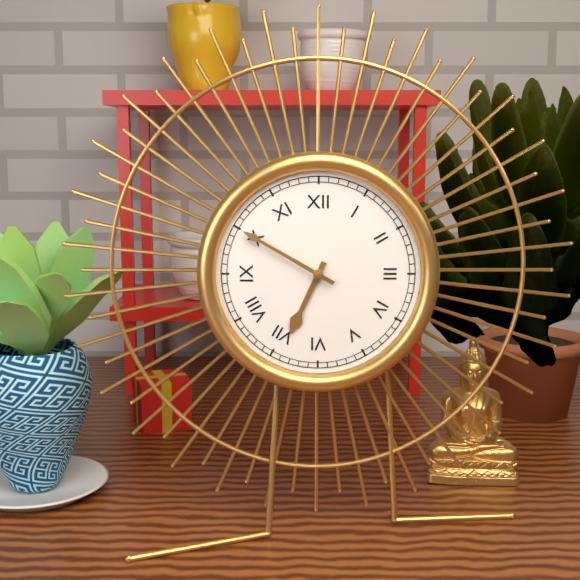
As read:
6:50
